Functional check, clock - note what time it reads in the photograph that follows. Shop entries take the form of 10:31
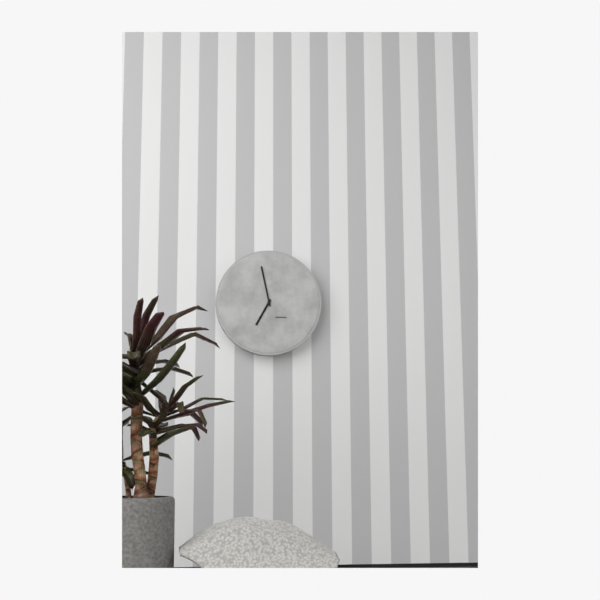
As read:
6:58
